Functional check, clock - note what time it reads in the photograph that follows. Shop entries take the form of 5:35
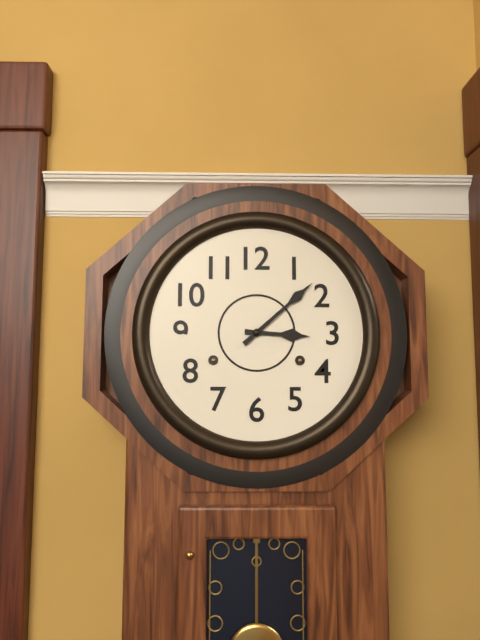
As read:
3:08
